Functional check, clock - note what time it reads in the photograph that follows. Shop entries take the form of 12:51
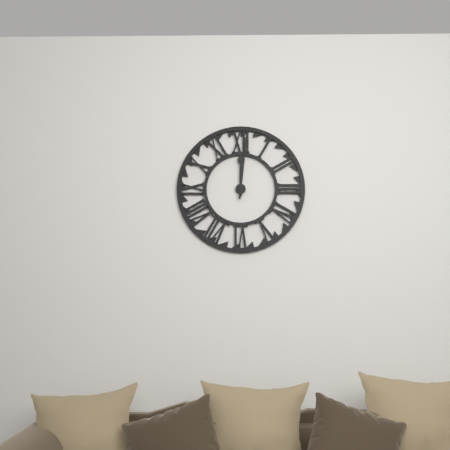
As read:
12:01
